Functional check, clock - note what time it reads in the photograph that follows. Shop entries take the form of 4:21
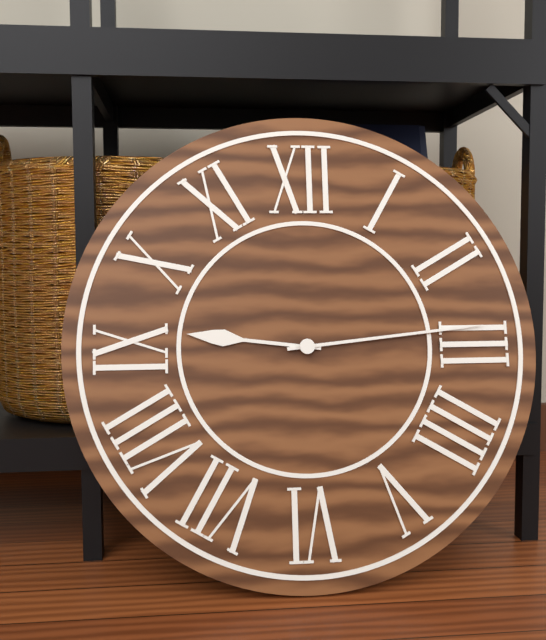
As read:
9:14
